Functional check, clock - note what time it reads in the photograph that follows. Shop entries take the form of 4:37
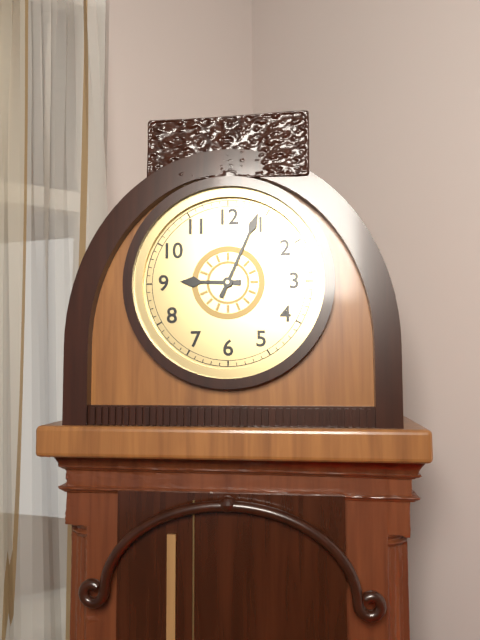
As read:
9:04
